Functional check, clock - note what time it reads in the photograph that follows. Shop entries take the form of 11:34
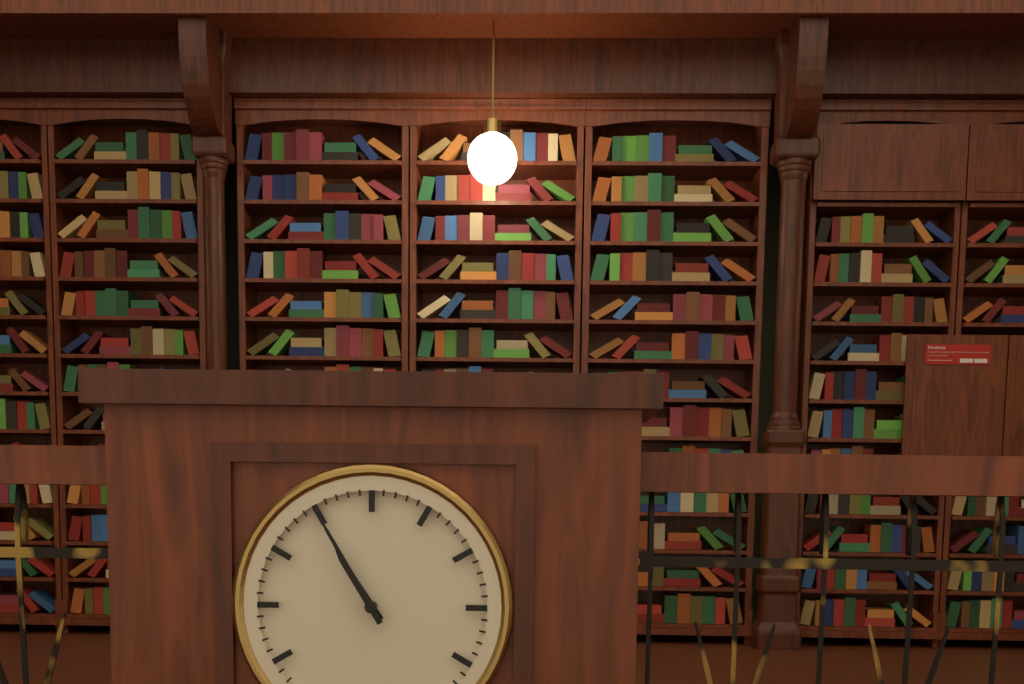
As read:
10:55
